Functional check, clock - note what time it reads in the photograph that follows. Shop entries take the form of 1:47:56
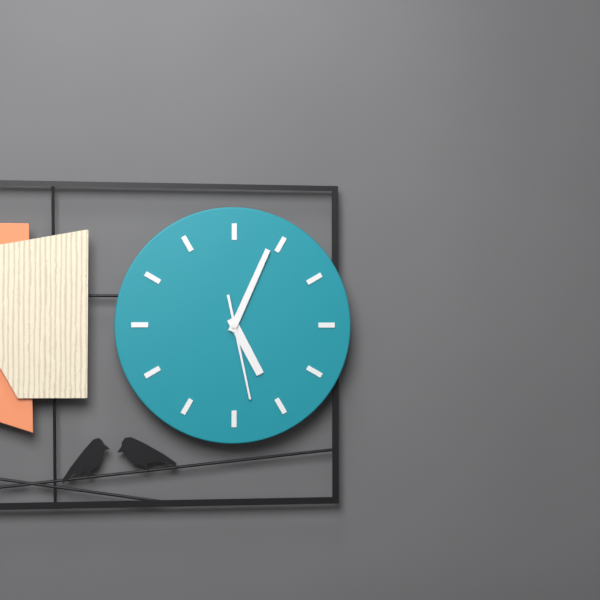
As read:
5:04:28
